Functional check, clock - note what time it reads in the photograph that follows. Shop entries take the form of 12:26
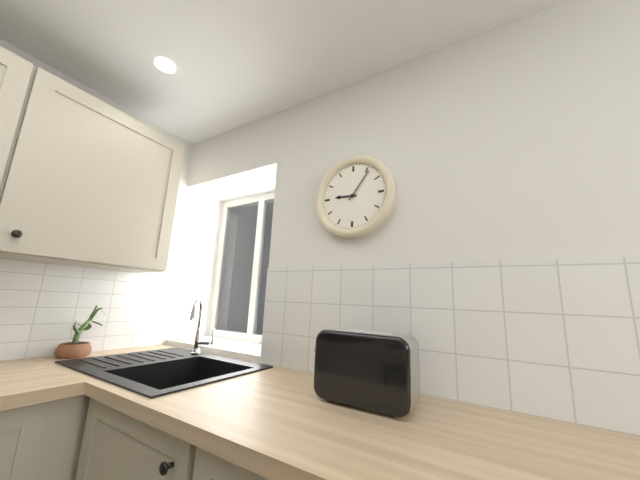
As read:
9:06
